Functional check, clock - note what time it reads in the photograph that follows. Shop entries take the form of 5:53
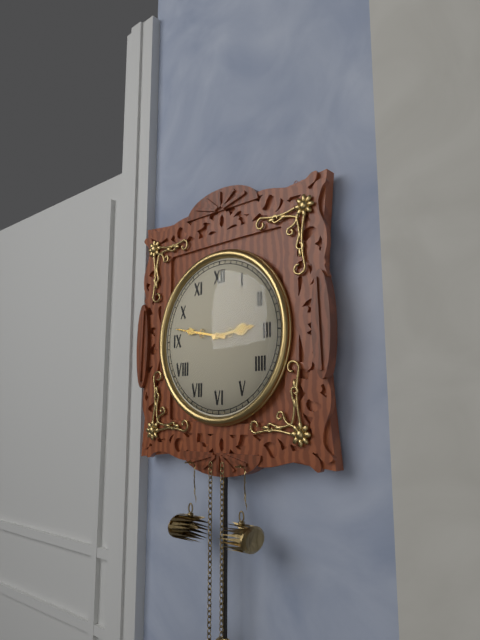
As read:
2:47
